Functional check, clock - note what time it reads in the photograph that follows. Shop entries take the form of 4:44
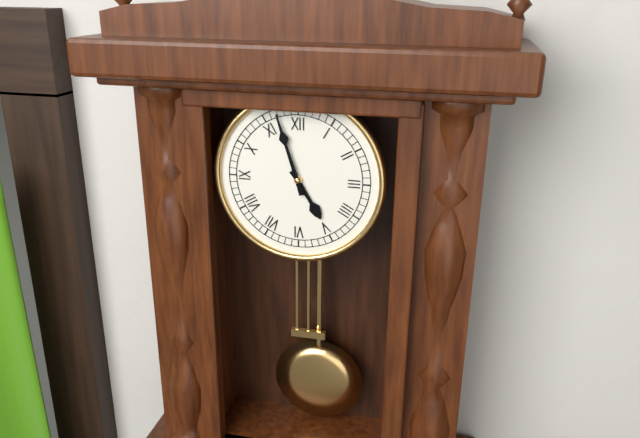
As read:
4:57
